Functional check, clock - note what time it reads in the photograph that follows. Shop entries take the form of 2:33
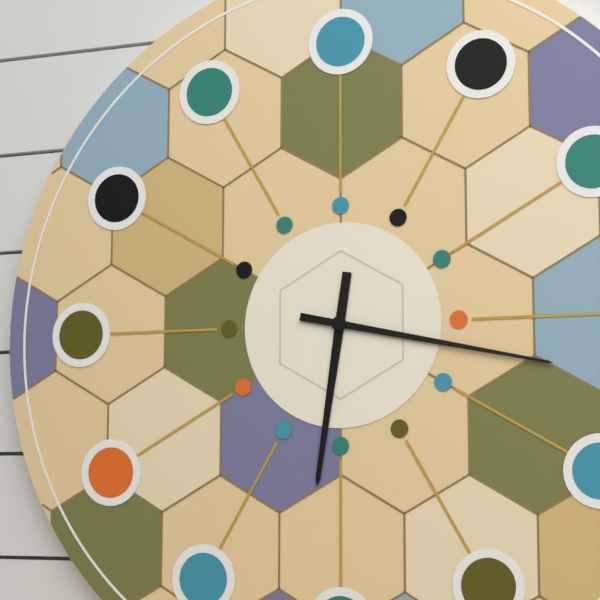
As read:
6:17
